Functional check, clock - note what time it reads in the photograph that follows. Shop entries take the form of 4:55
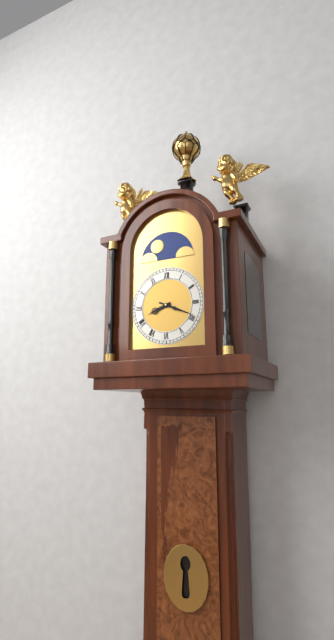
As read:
8:19
